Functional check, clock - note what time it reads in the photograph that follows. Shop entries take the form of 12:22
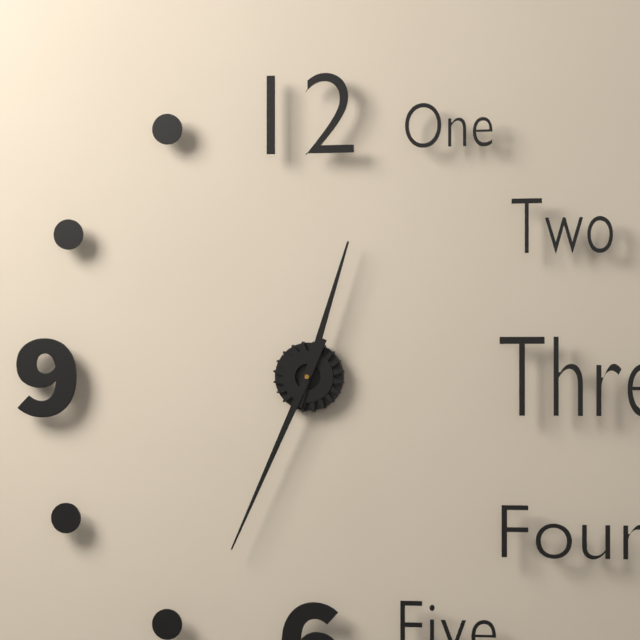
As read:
12:34
